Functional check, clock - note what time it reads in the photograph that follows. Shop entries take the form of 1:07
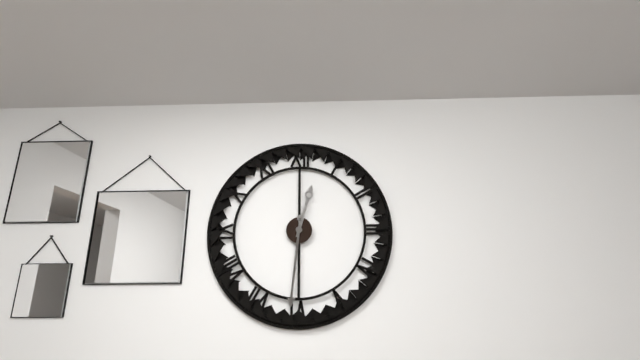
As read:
12:31
